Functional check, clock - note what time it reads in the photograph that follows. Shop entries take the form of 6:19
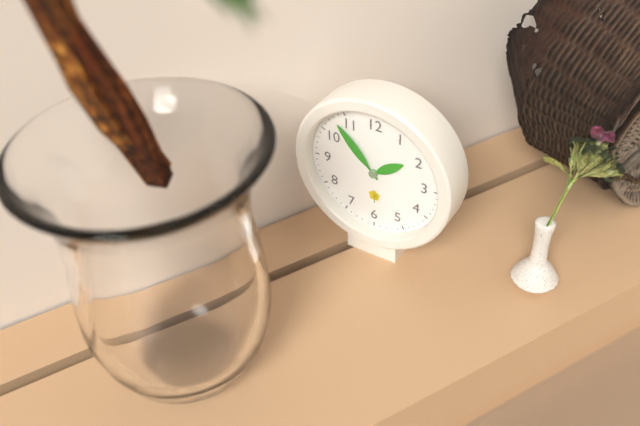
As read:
1:53
